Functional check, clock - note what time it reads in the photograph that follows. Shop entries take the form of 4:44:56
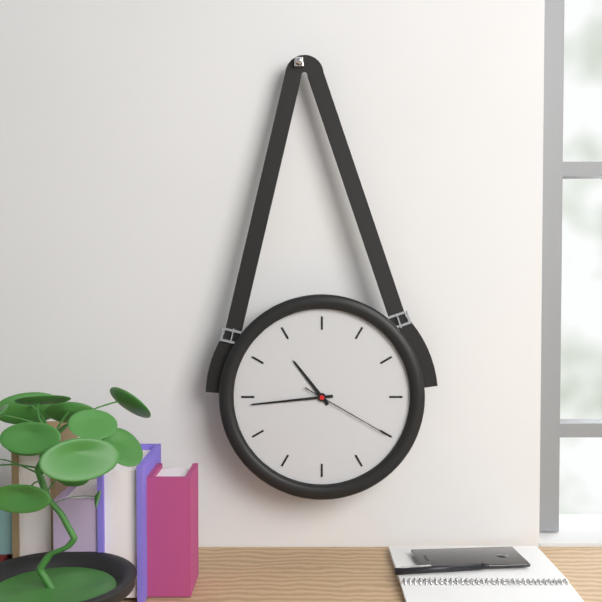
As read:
10:44:20
